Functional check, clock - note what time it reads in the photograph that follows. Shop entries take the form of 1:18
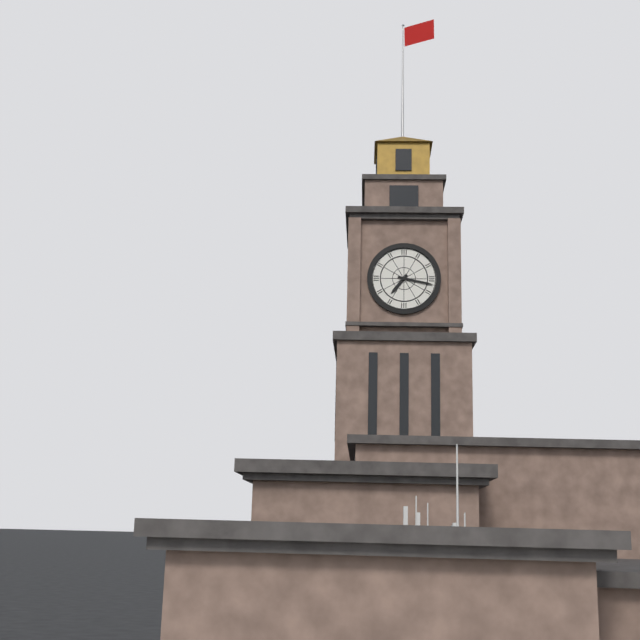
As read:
7:17
